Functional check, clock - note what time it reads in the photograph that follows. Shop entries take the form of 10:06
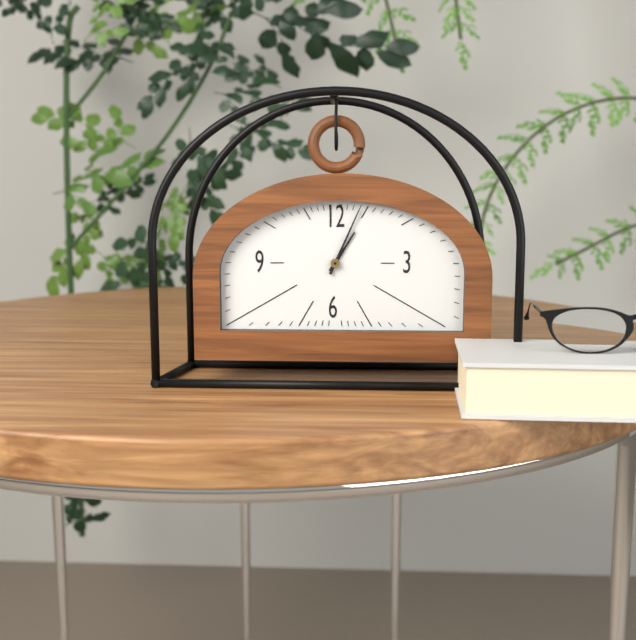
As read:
1:04
